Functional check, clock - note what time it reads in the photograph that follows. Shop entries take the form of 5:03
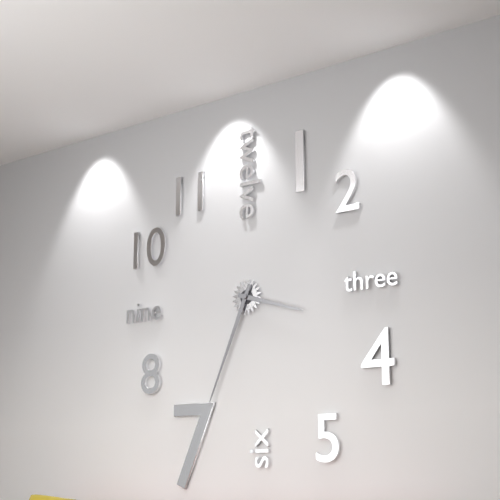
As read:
3:34
